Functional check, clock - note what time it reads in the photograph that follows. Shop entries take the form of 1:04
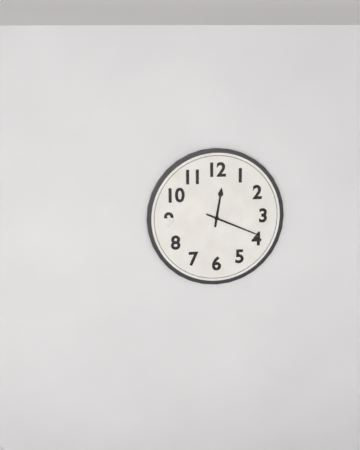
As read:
12:19
